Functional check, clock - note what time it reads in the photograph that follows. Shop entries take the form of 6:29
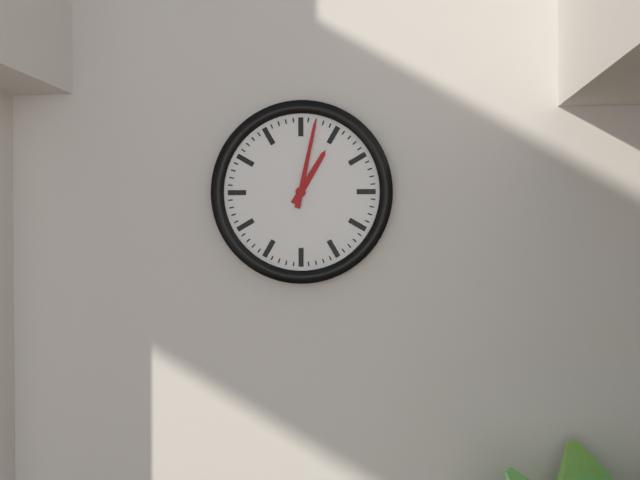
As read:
1:02
